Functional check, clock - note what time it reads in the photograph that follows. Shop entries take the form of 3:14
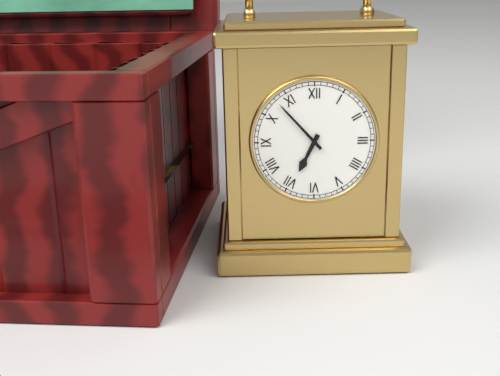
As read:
6:53
